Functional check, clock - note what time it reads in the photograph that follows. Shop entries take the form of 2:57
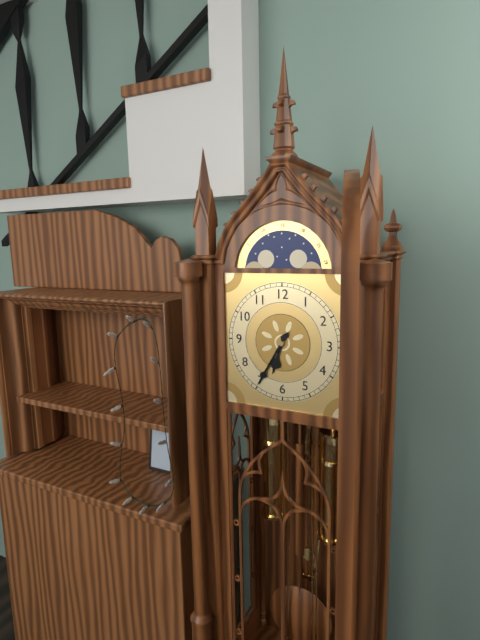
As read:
6:35
